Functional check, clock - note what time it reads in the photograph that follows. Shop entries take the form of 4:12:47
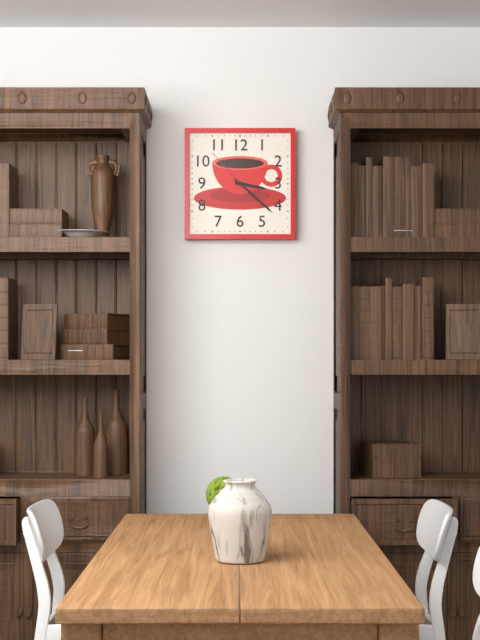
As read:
3:22:53
